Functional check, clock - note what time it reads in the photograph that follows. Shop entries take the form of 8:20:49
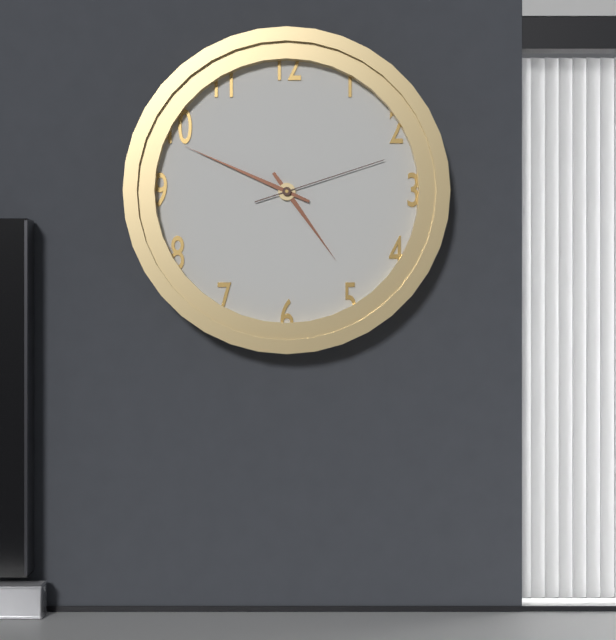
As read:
4:49:12
